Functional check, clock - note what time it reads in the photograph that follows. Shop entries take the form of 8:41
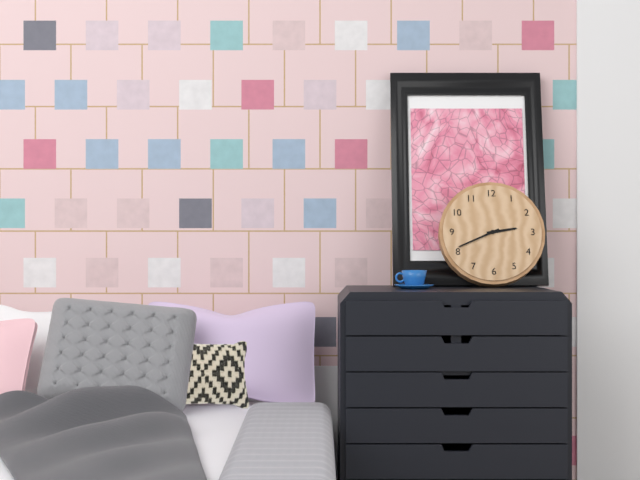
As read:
2:41
